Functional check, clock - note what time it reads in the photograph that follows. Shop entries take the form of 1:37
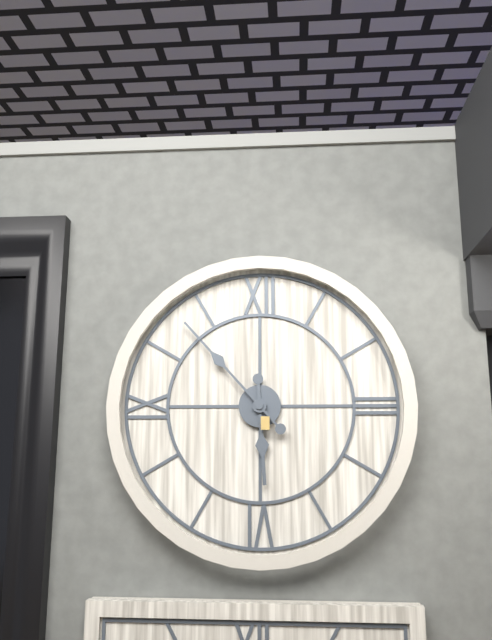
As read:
5:53
